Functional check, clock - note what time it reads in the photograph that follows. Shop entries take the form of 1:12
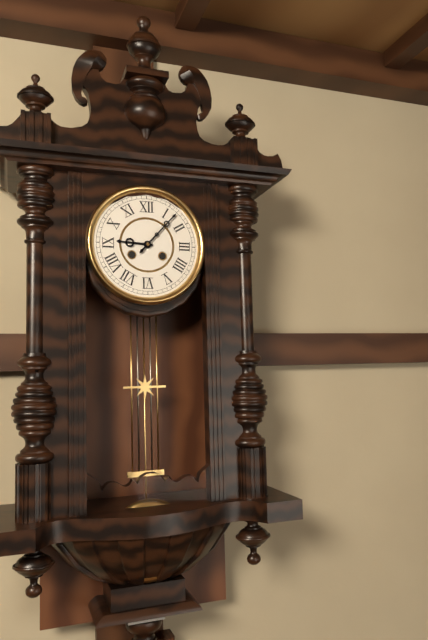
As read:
9:07
